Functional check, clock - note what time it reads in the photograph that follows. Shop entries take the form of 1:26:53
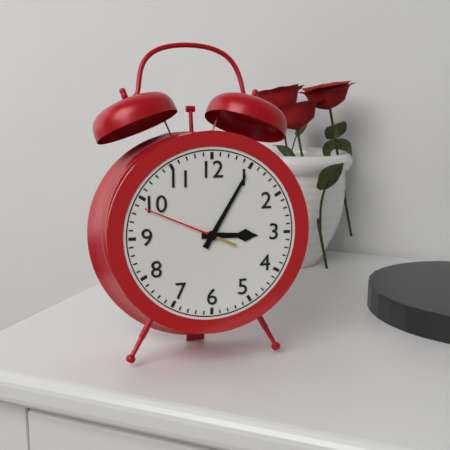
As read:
3:05:49
